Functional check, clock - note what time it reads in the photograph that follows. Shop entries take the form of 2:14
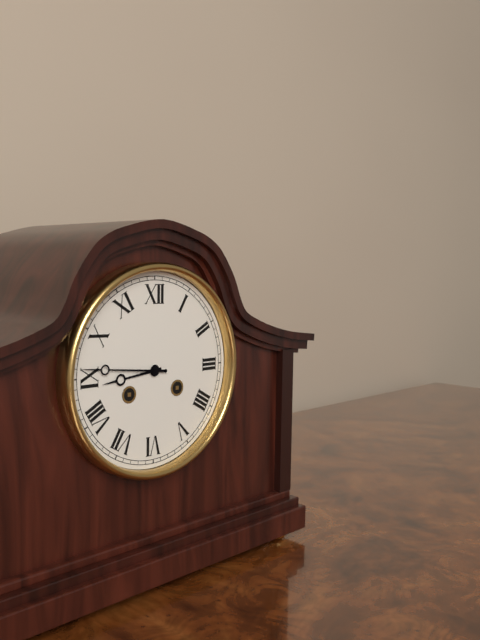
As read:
8:46
